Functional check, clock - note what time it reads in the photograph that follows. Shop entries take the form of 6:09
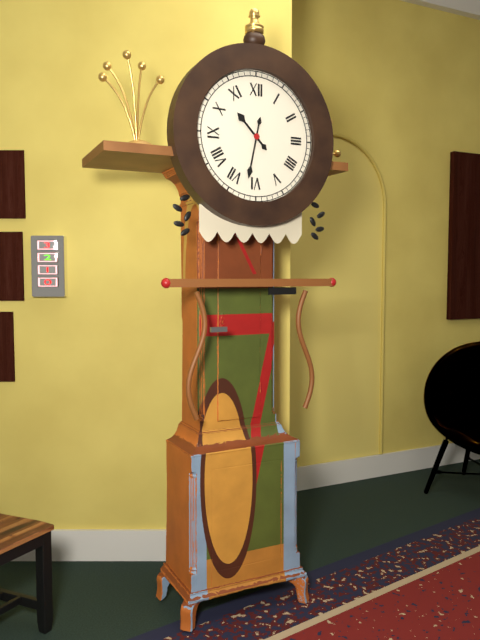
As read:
10:32
